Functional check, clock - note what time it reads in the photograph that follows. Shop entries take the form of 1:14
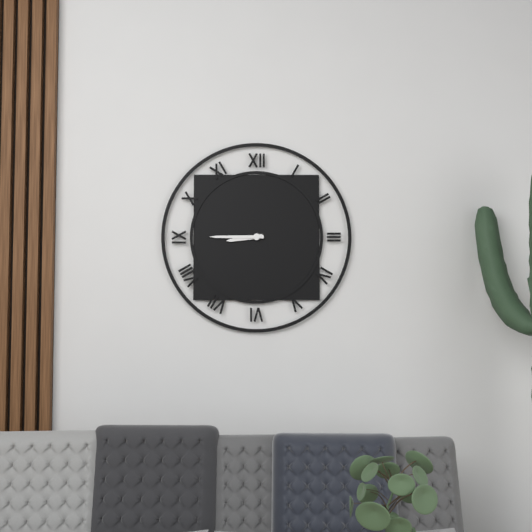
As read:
8:45
